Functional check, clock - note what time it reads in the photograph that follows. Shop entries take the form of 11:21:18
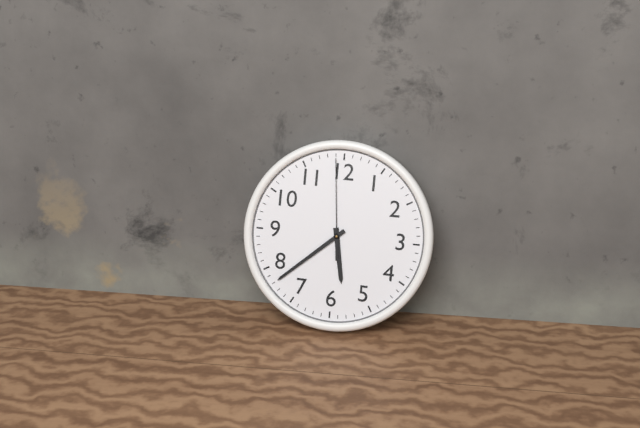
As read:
5:38:59
